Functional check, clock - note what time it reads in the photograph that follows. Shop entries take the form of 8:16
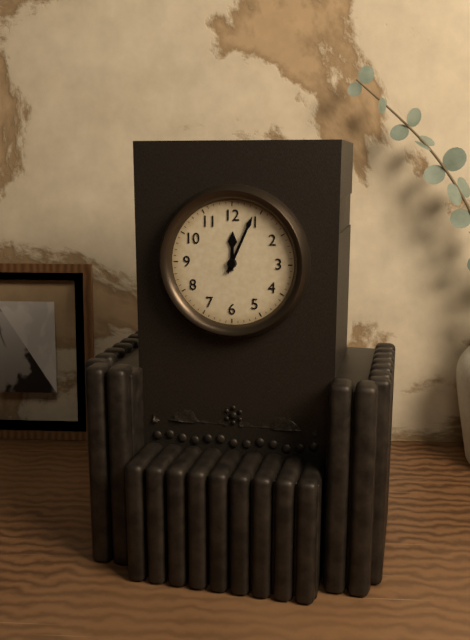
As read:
12:04
